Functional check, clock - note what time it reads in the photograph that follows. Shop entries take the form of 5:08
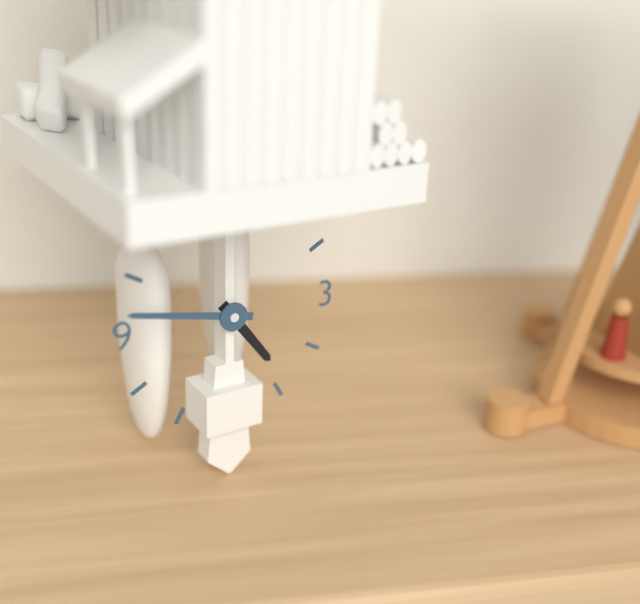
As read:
4:47
